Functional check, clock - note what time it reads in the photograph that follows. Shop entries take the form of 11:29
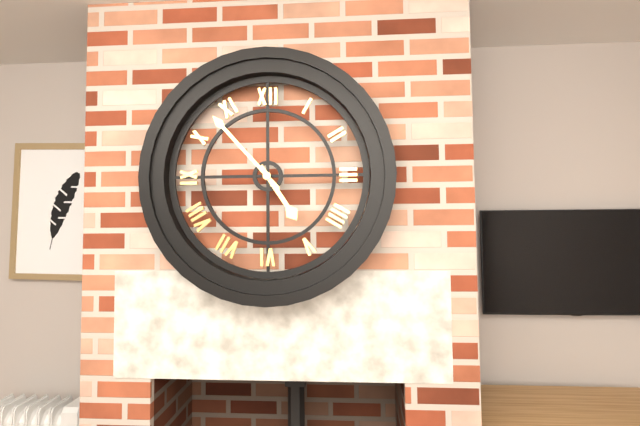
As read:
4:53
